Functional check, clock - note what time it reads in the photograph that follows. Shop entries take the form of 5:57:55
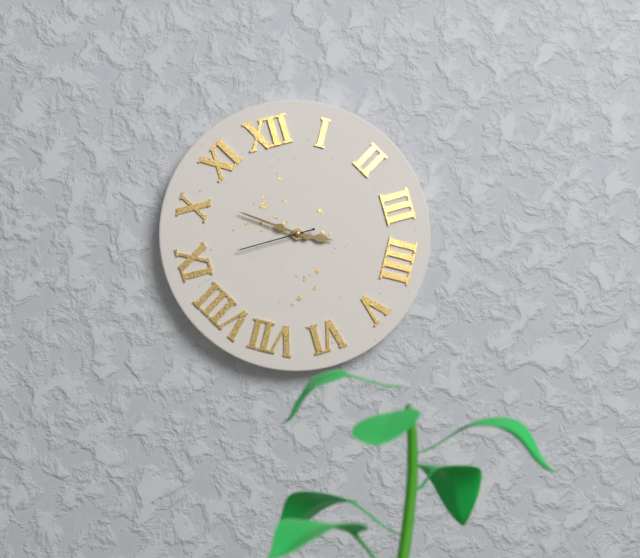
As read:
3:51:45
